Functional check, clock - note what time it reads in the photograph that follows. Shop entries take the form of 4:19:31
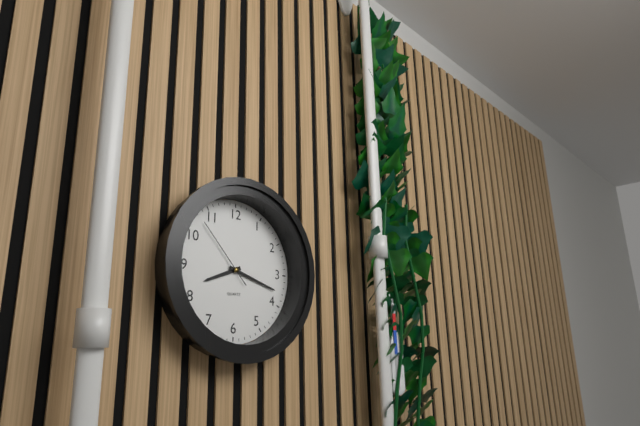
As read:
8:18:53
